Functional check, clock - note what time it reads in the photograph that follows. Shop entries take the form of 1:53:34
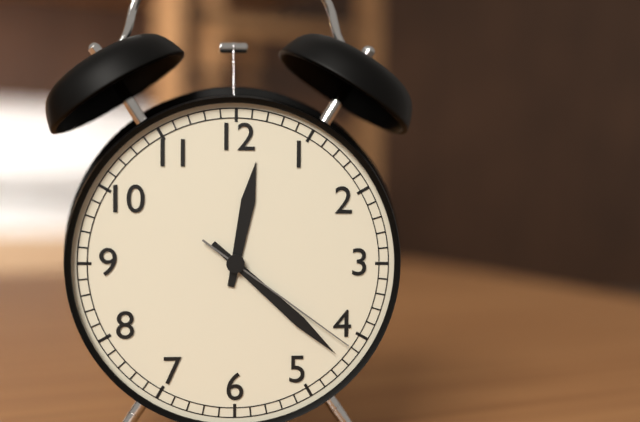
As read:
12:22:21
